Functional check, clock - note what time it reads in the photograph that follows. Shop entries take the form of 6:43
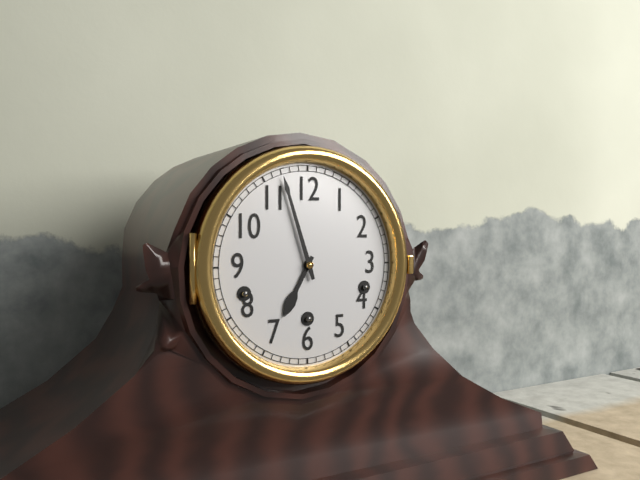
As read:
6:57
